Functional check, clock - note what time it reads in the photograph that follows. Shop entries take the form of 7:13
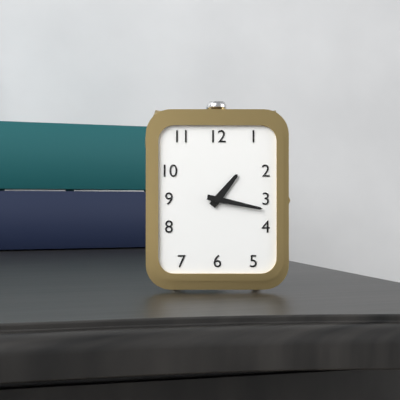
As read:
1:17
